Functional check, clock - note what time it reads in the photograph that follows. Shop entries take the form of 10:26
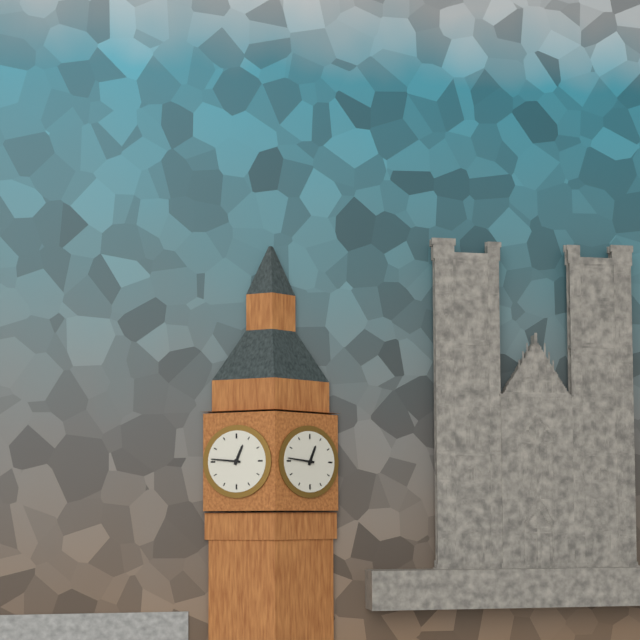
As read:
12:46
